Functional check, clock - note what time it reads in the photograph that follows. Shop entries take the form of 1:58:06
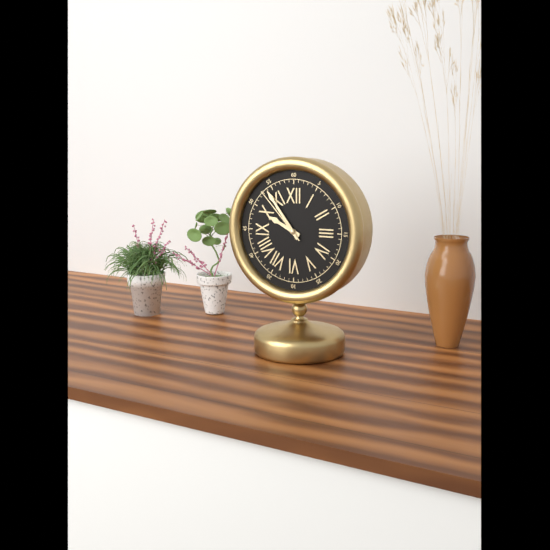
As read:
9:54:53
